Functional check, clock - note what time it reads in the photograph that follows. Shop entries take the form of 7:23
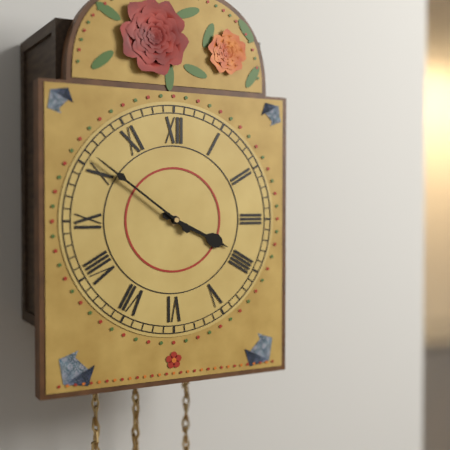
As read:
3:51
